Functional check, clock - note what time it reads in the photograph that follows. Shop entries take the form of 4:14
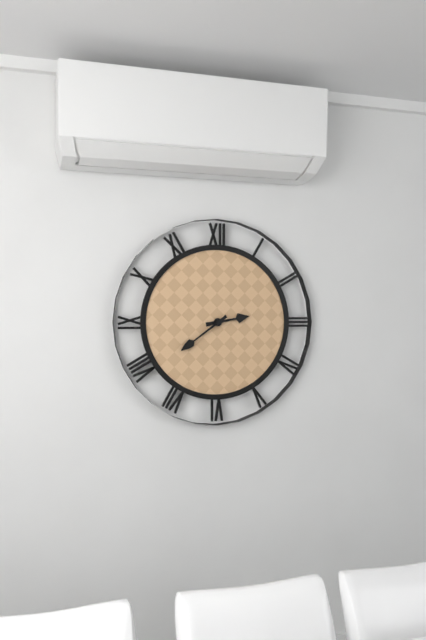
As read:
2:39
